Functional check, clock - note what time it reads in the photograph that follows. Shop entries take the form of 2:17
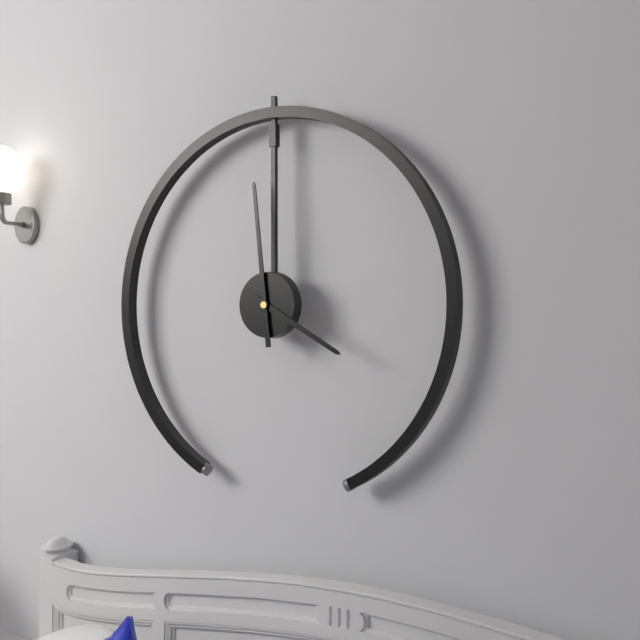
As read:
3:59
